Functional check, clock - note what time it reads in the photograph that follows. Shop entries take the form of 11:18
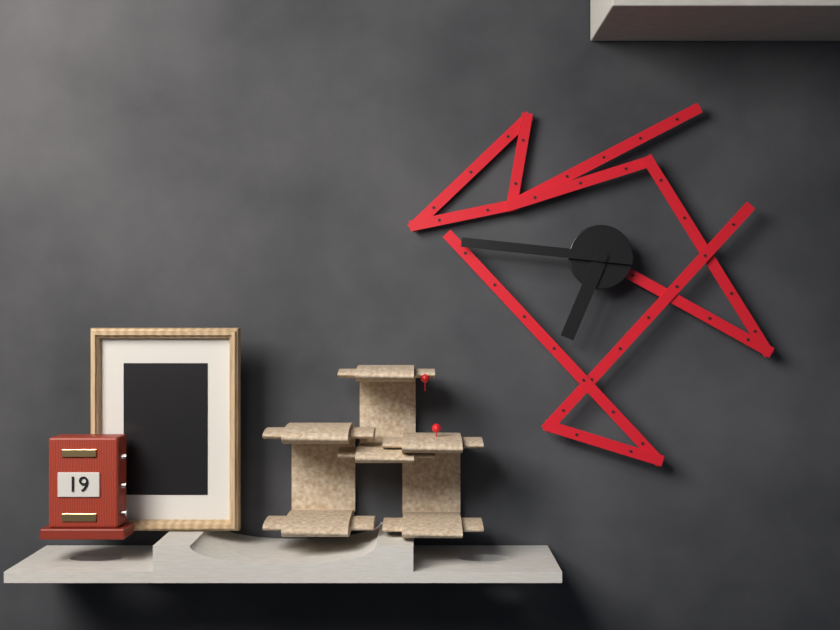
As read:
6:46
